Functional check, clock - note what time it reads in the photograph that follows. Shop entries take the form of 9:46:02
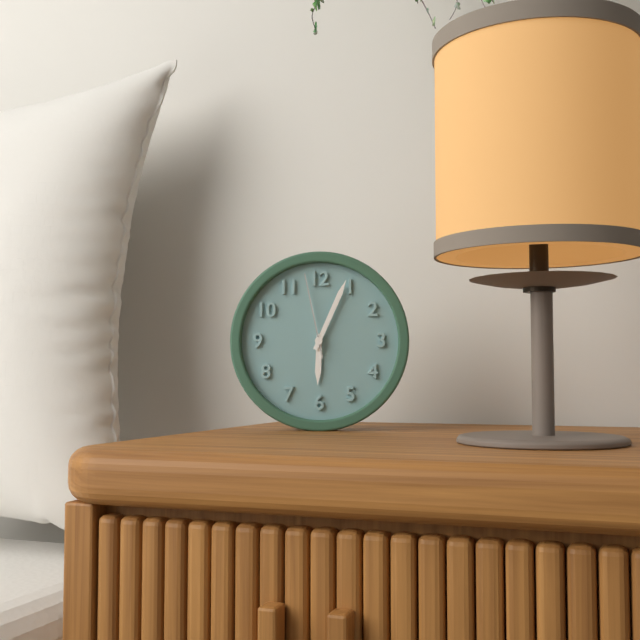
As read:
6:04:58
